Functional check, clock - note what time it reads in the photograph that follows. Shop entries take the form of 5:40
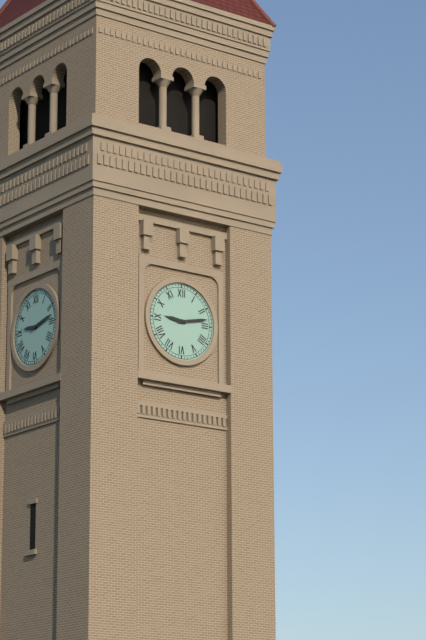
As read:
9:13
